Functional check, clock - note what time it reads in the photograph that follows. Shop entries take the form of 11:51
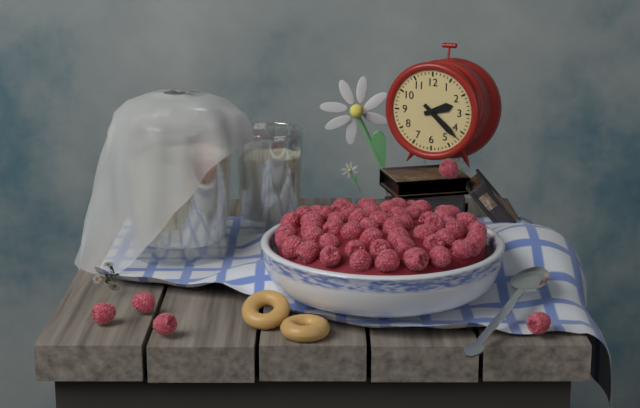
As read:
2:22
